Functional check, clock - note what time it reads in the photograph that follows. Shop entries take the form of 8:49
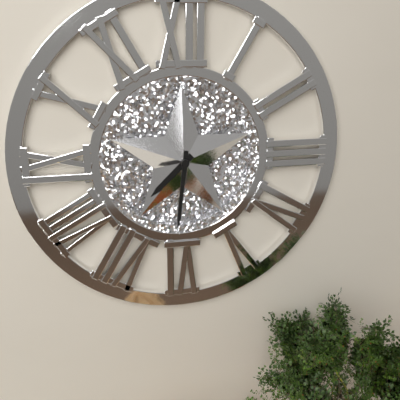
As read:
7:31
